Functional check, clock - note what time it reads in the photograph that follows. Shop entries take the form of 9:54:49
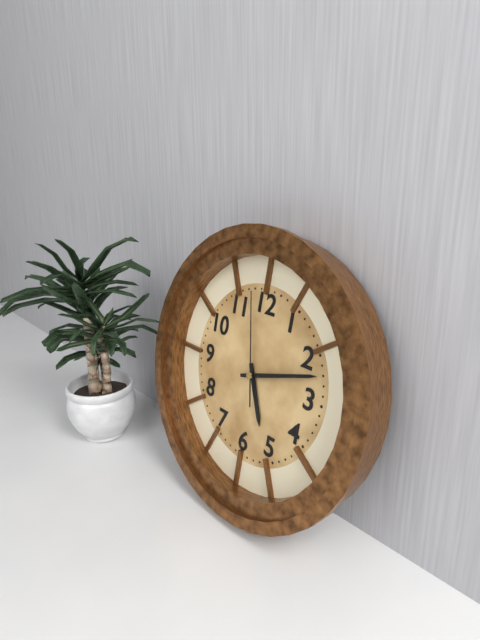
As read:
5:12:58
